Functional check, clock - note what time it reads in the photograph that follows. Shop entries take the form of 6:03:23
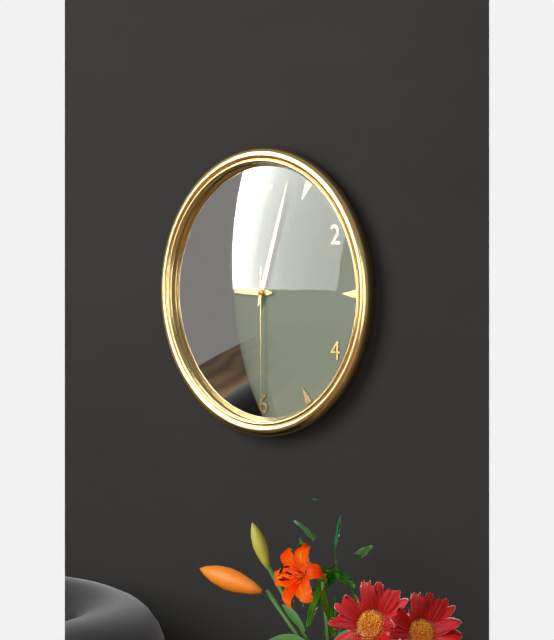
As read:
9:03:30
